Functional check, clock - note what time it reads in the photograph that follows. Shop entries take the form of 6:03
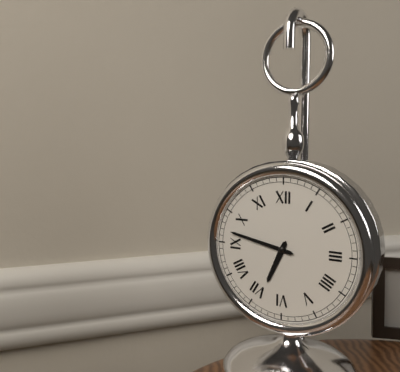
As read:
6:47
